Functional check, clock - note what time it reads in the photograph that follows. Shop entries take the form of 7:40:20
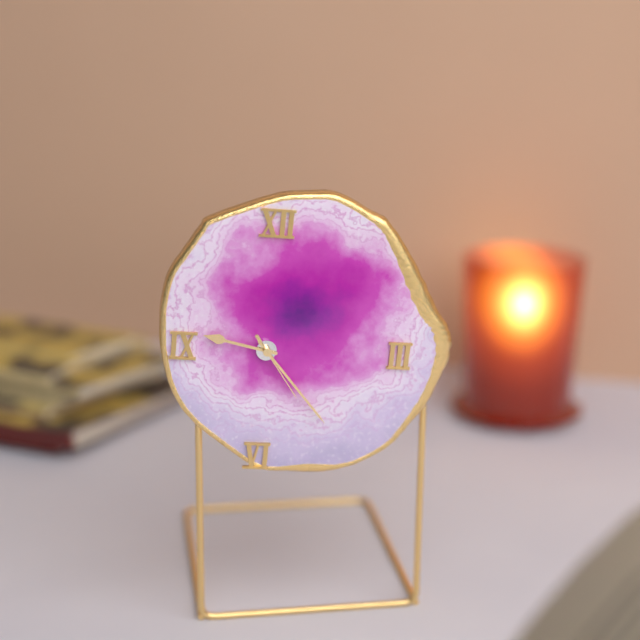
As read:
9:23:24
